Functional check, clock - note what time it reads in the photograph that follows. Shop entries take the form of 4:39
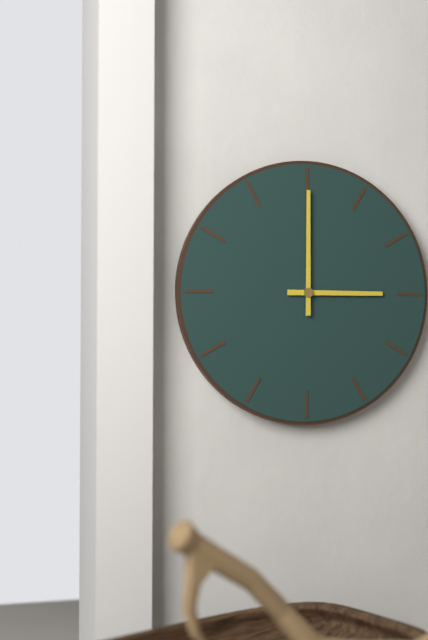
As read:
3:00
